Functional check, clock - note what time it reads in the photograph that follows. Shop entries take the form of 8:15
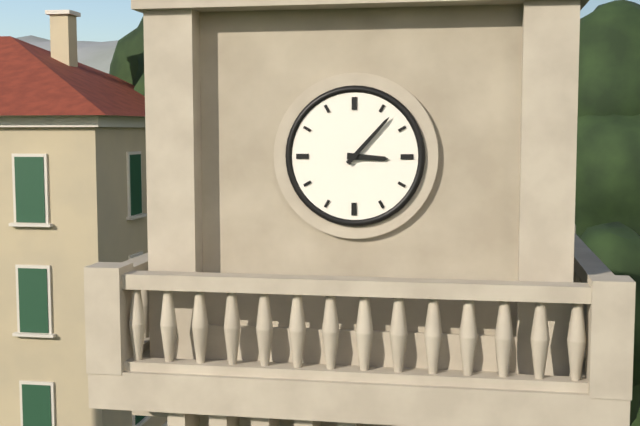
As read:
3:07
